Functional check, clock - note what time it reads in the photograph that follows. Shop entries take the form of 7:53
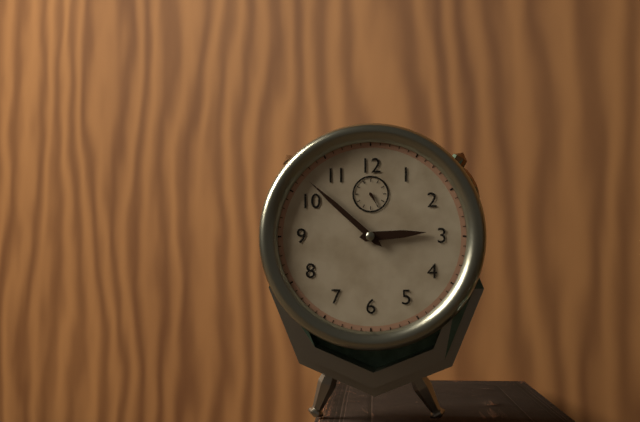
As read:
2:52
